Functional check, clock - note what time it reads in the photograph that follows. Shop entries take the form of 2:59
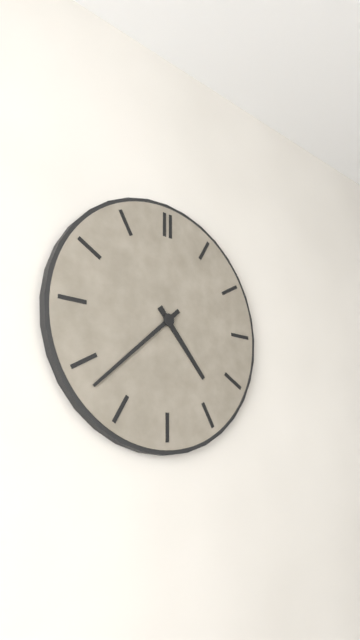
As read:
4:38
